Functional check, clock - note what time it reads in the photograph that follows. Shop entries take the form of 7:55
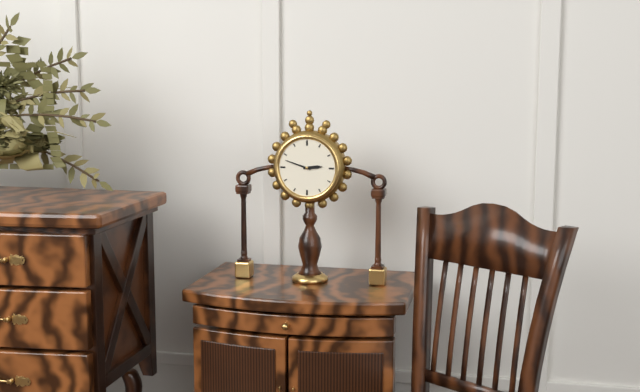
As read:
2:48
